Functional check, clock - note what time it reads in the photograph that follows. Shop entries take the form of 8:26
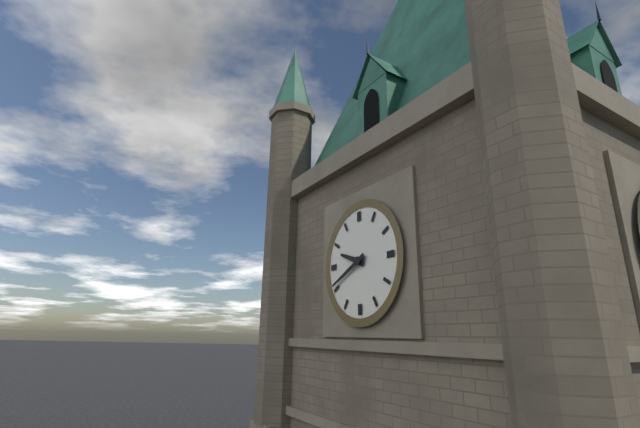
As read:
9:41
